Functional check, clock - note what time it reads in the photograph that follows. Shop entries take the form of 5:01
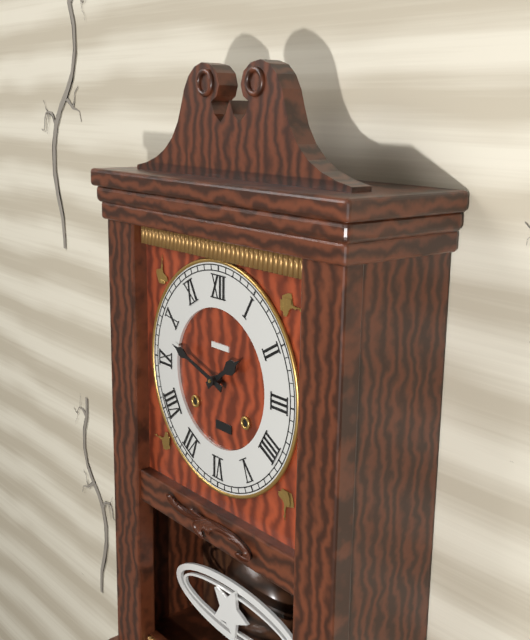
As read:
1:48
